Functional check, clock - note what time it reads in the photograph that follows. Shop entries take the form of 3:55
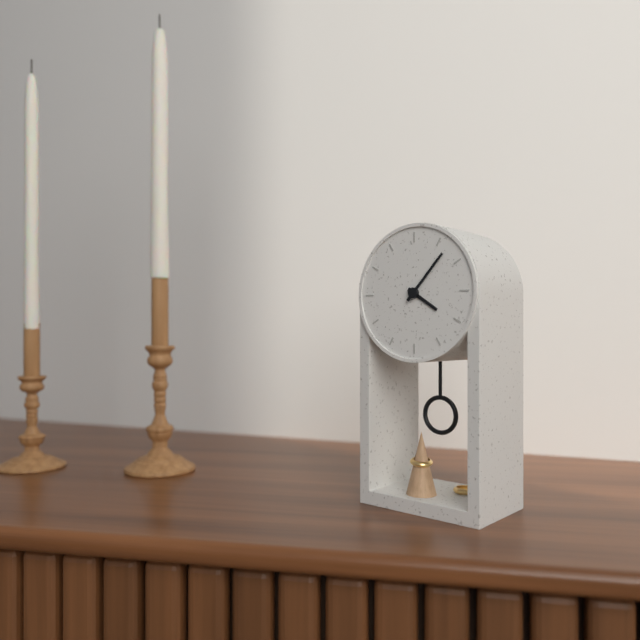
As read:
4:07
